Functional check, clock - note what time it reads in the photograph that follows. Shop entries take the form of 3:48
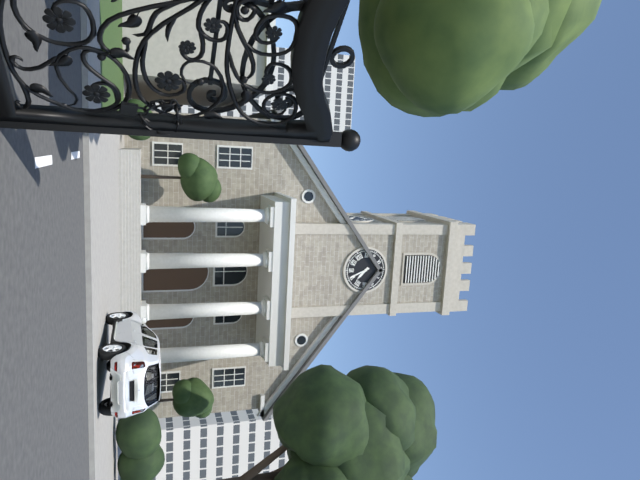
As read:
4:26
